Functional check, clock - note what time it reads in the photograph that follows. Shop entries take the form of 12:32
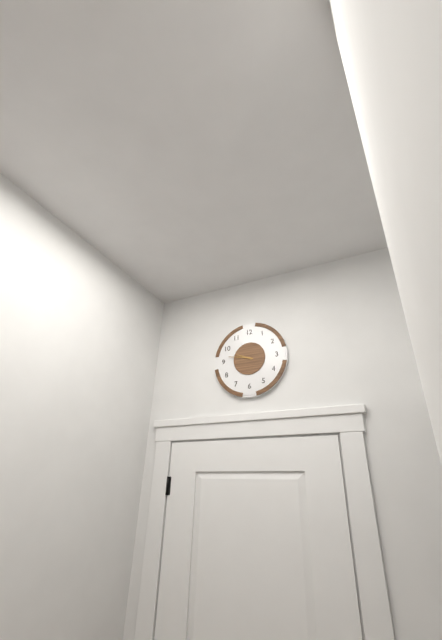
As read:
9:47
